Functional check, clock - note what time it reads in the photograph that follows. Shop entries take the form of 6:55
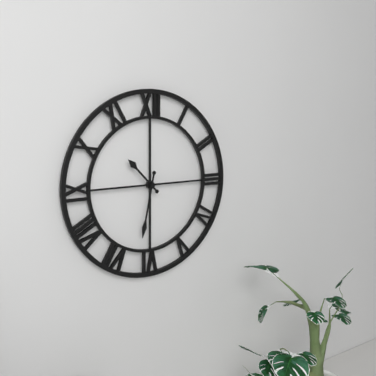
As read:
10:32
